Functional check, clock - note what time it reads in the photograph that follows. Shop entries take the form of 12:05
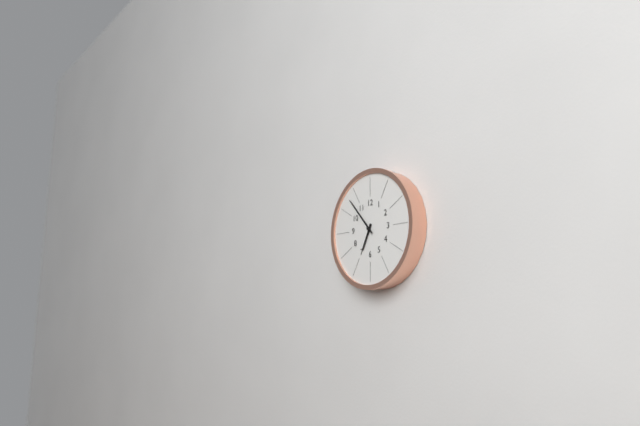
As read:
6:53
